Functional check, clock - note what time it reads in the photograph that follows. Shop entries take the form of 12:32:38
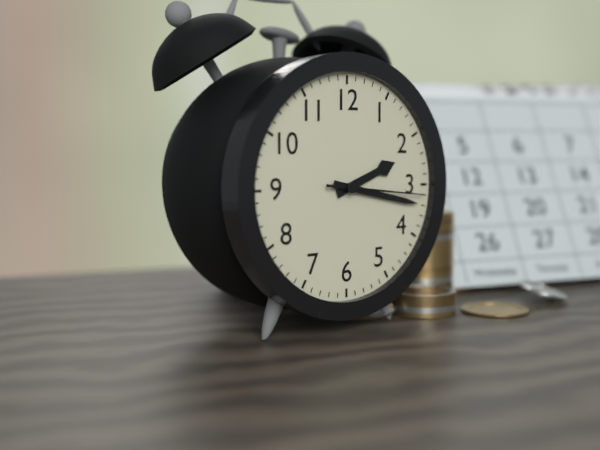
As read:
2:17:16
